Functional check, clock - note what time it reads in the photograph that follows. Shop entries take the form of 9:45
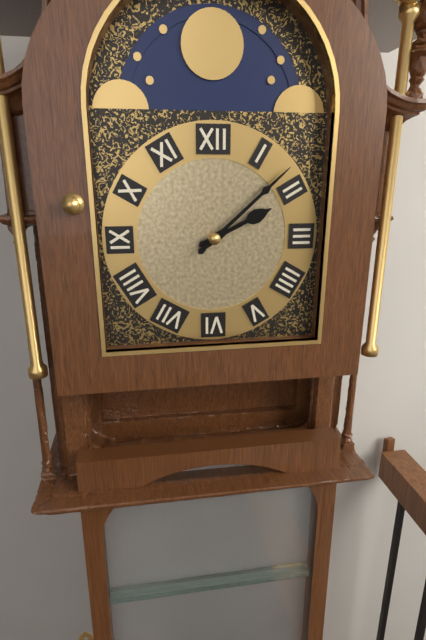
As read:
2:08
